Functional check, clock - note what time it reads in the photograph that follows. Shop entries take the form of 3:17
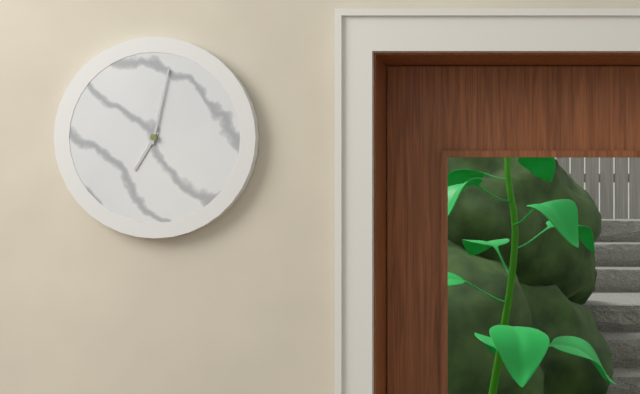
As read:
7:02
